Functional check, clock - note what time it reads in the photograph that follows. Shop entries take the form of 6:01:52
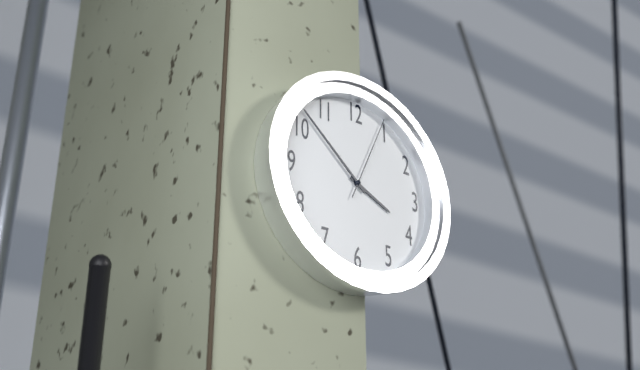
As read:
3:52:04
